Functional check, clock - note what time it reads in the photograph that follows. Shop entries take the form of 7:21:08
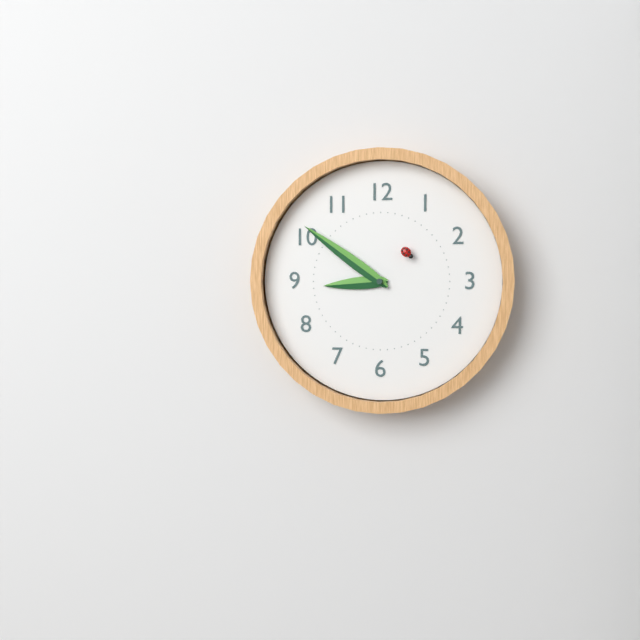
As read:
8:51:07
